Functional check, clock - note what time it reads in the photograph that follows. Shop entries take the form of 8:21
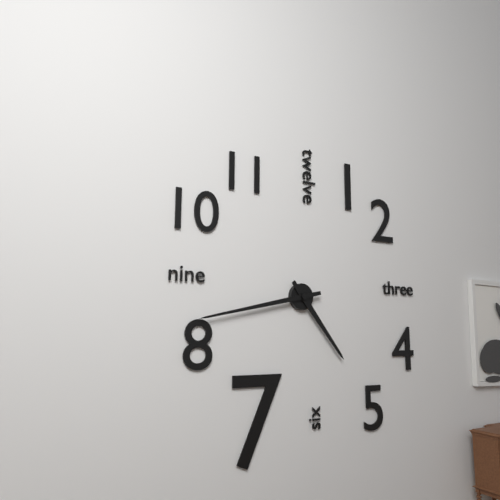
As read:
4:43
